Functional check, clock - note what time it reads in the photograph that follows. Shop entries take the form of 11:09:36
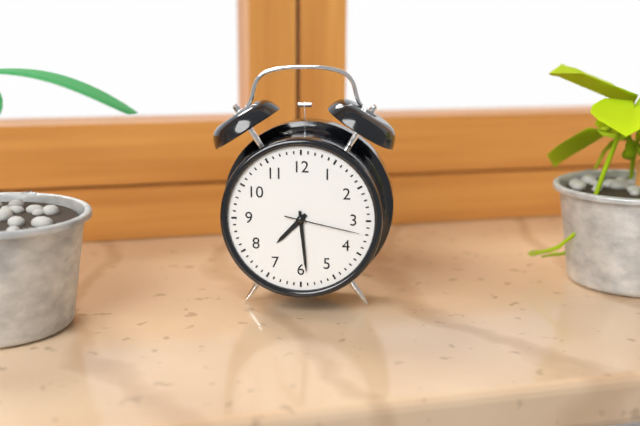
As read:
7:29:17
